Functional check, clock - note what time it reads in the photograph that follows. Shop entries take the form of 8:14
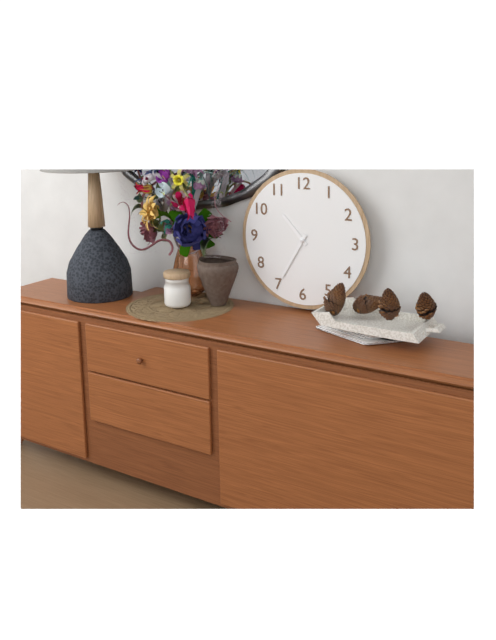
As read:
10:35
